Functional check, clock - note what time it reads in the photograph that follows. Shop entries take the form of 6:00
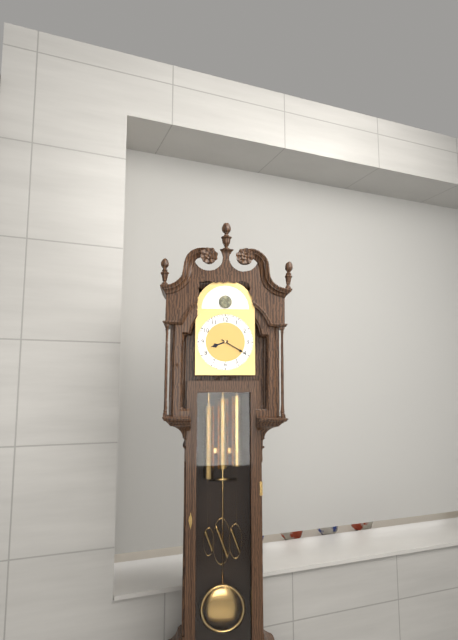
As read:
8:20
